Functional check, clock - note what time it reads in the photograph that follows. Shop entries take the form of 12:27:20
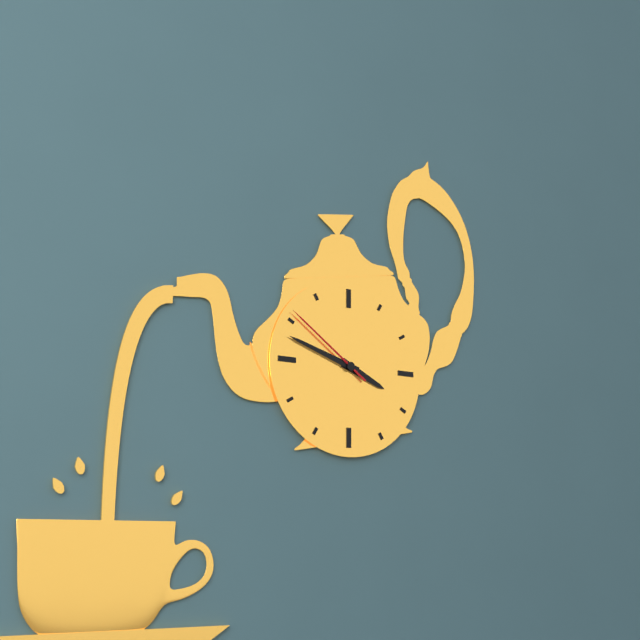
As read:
3:48:51
